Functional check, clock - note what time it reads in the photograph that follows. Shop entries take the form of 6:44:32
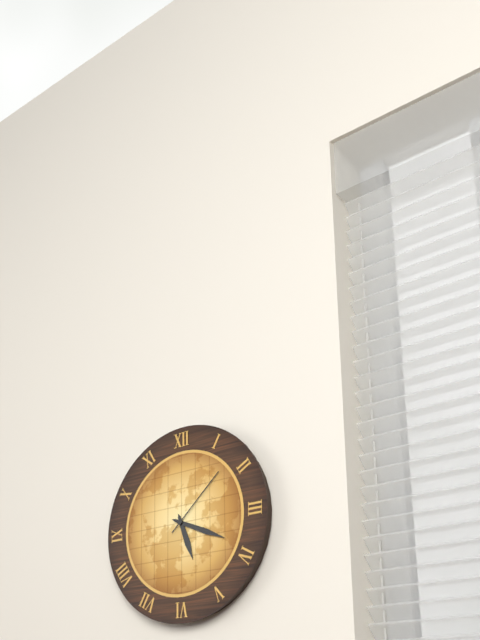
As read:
5:19:08
